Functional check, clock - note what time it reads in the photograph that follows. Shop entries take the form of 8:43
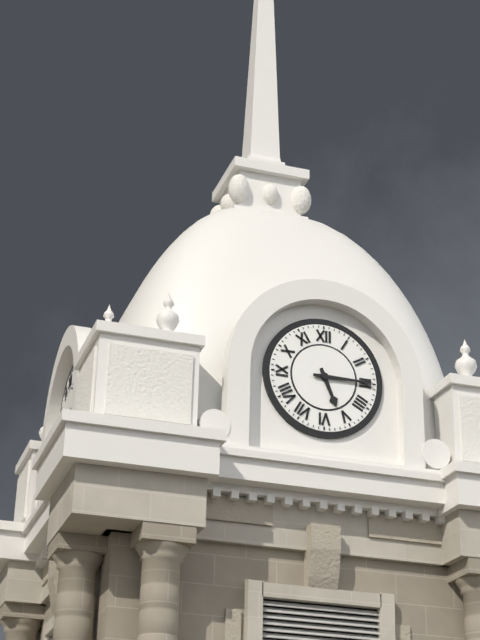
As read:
5:15
